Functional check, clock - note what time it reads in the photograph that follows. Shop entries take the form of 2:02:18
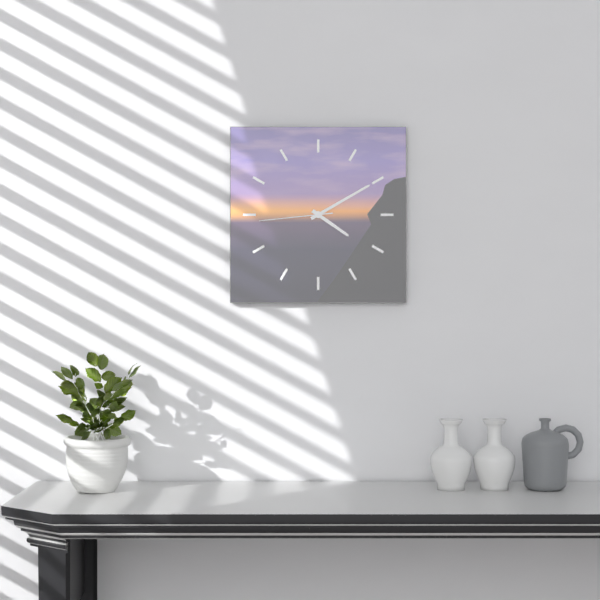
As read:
4:10:44
